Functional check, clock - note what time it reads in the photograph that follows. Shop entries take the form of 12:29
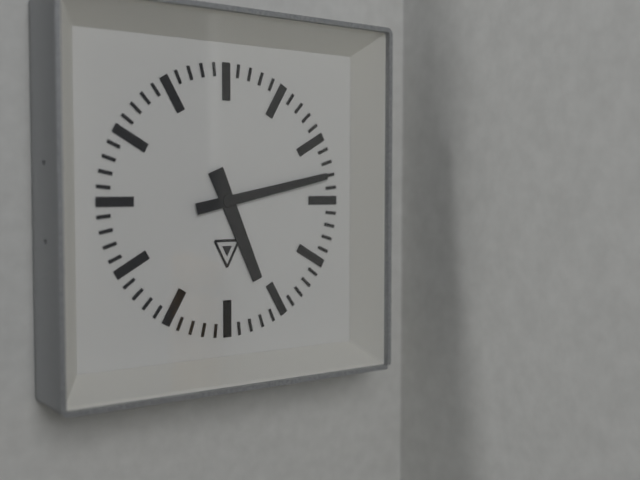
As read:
5:13
